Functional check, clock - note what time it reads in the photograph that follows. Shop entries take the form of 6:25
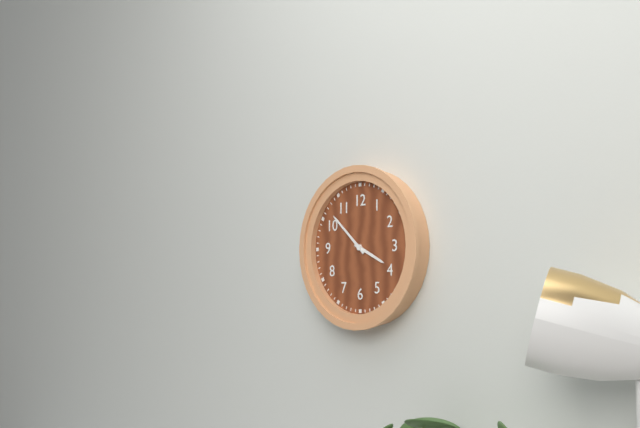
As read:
3:52
